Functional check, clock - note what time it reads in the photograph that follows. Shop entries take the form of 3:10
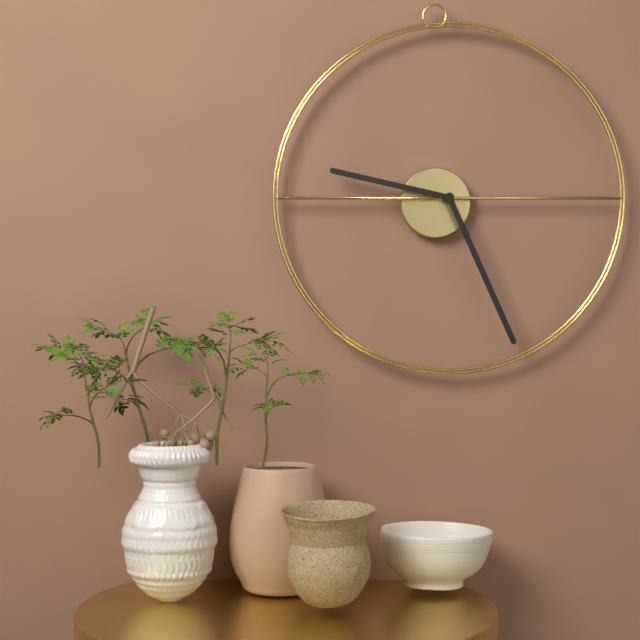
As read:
9:26
